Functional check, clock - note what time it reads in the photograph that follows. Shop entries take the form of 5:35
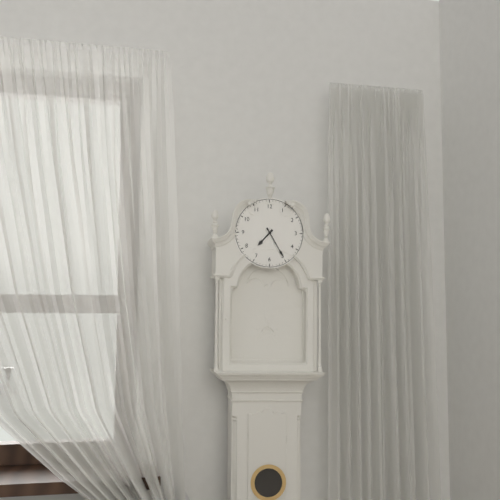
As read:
7:25
